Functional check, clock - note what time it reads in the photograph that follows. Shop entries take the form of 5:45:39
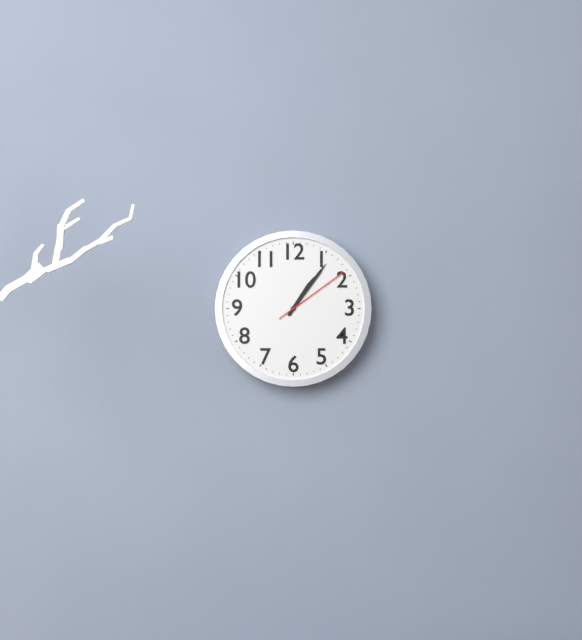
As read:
1:06:09
